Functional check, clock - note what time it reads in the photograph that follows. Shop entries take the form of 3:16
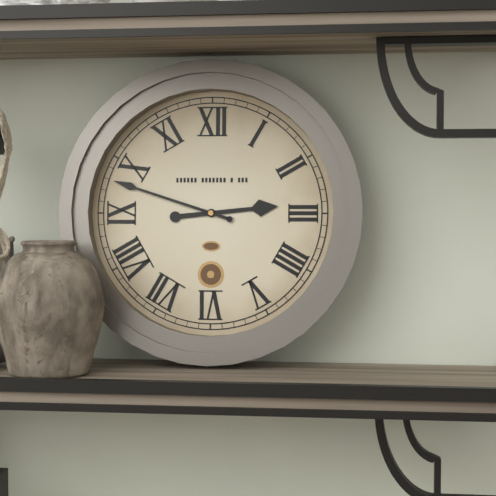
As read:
2:48
